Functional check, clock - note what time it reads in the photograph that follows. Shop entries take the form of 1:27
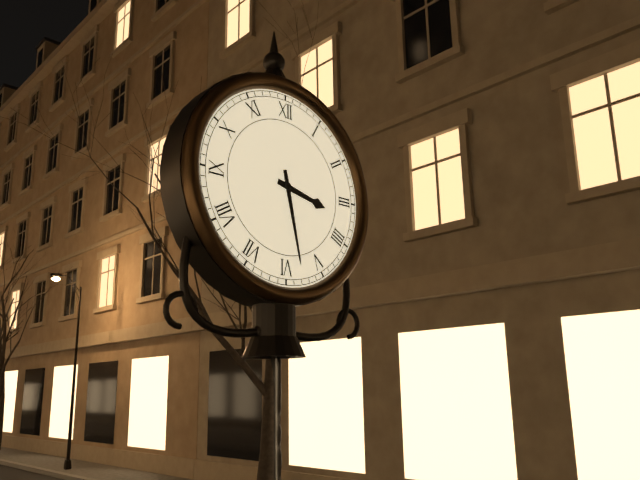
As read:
3:28
